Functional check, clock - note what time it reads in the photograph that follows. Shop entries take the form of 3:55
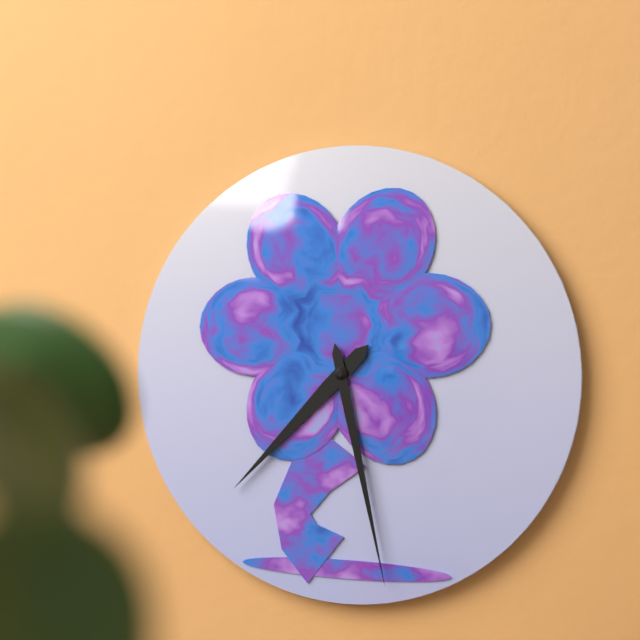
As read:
7:28
